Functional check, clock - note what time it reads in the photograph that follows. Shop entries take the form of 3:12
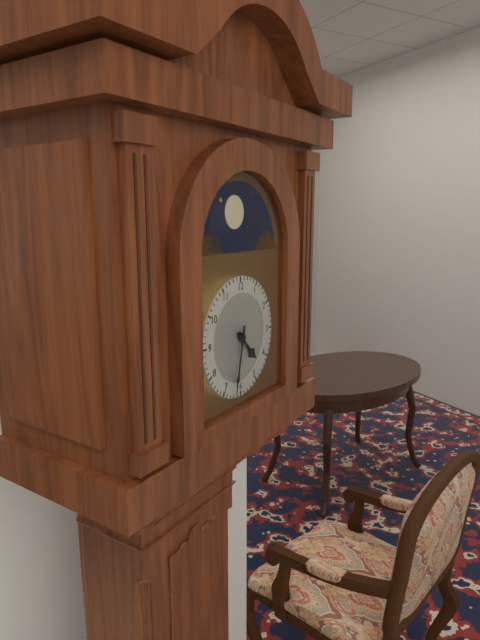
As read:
4:32
